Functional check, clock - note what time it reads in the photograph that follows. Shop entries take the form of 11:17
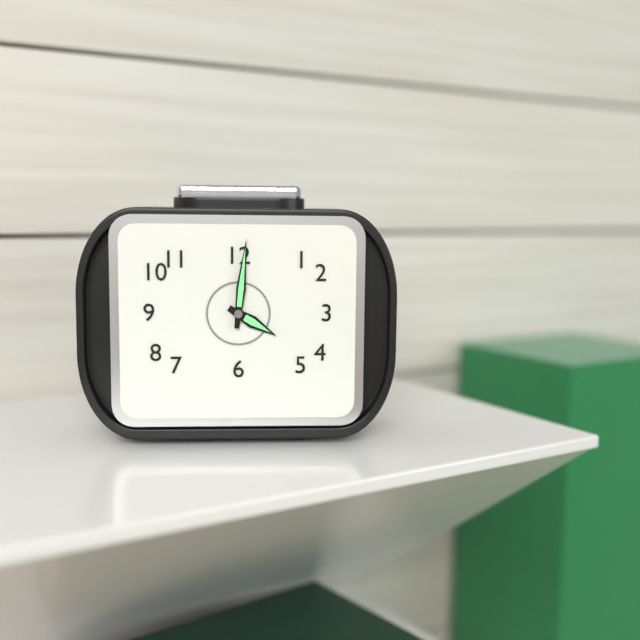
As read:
4:01
